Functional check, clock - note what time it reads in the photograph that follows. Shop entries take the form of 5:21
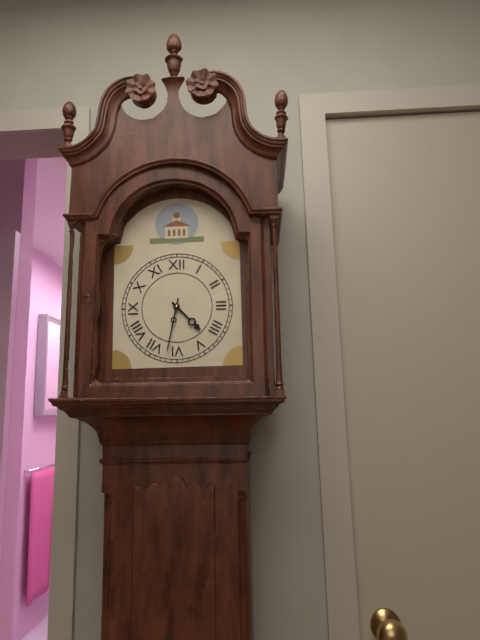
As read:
4:32
